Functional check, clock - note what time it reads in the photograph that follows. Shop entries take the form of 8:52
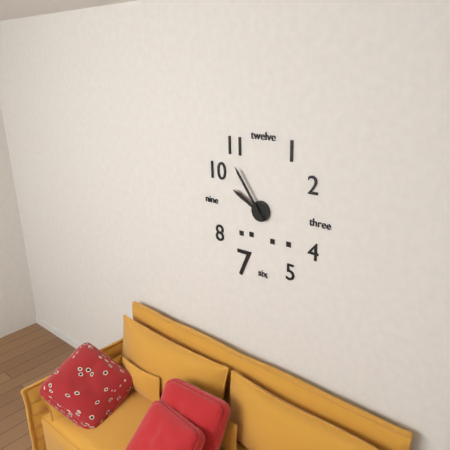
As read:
9:54
